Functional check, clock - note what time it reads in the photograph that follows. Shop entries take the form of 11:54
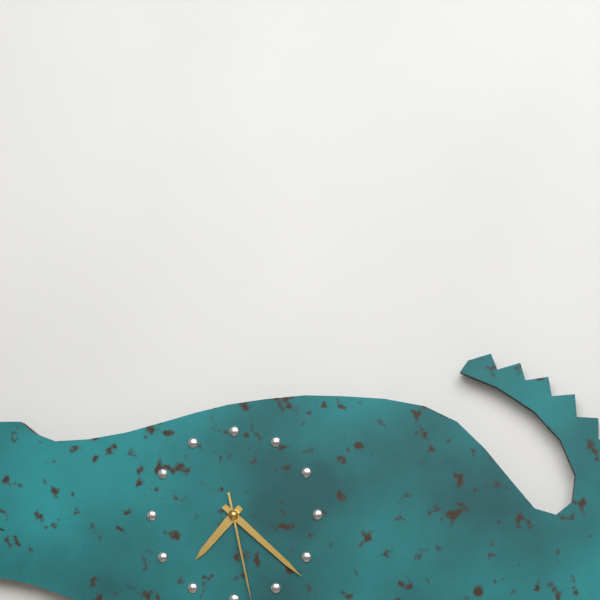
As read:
7:22
